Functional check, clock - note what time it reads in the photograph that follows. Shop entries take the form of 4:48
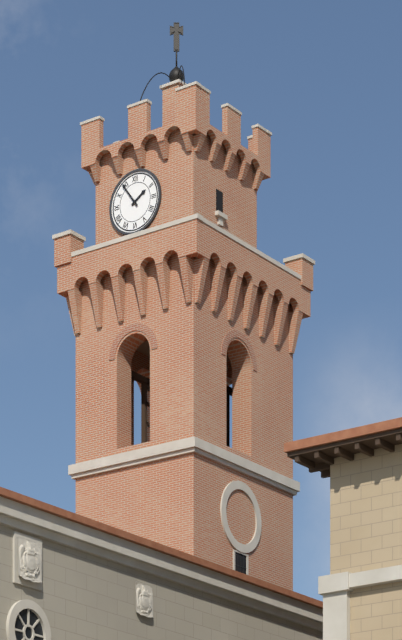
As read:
1:54
